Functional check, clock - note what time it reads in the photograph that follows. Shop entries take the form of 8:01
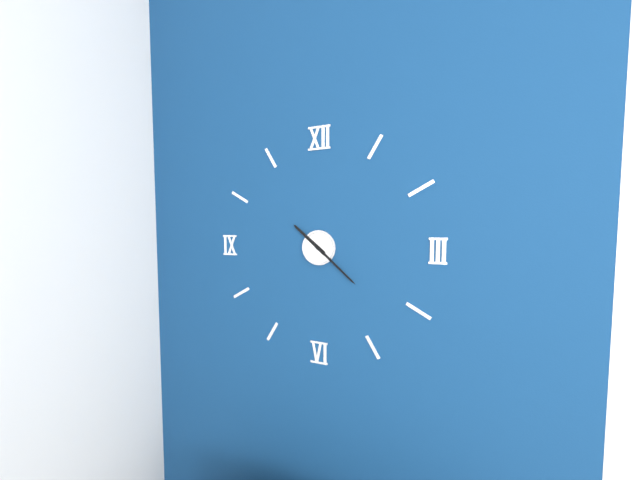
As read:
10:22
